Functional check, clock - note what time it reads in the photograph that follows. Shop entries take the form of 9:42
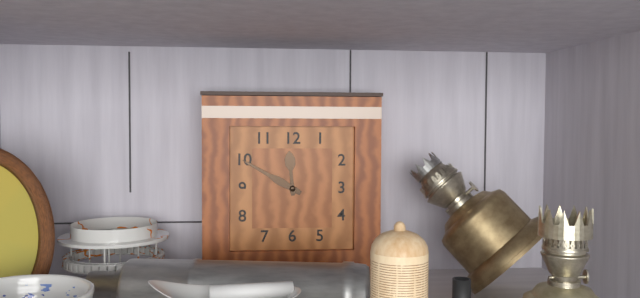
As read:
11:50
